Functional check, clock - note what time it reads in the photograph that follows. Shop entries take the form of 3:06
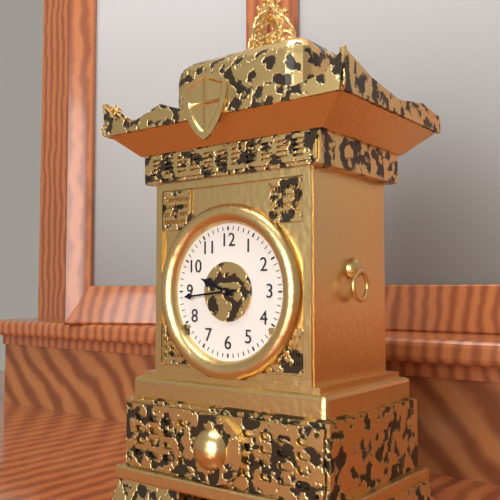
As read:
9:44
